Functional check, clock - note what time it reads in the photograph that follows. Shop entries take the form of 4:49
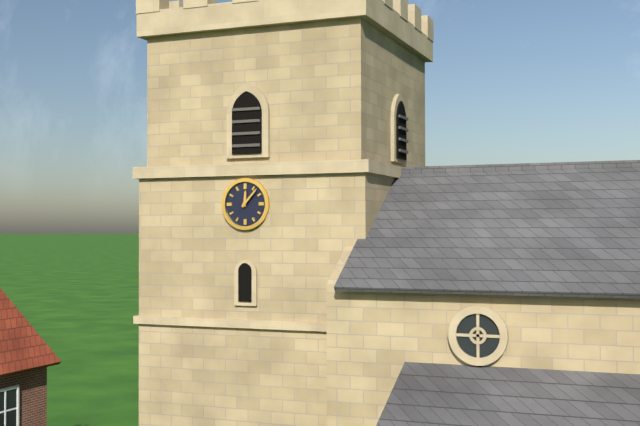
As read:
12:07
